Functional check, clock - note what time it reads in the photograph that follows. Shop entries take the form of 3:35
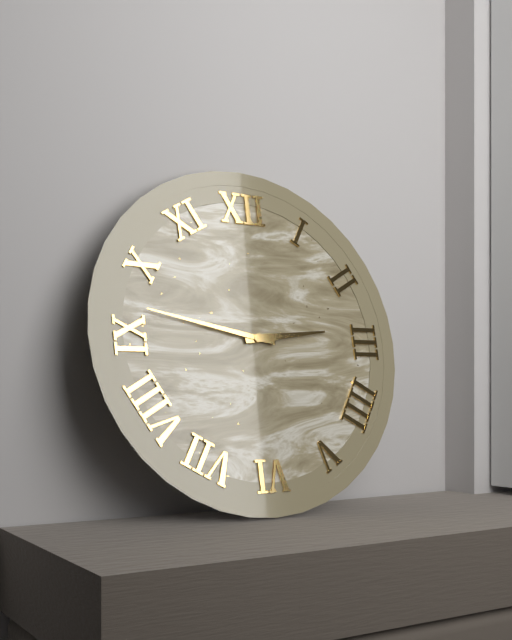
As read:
2:47
